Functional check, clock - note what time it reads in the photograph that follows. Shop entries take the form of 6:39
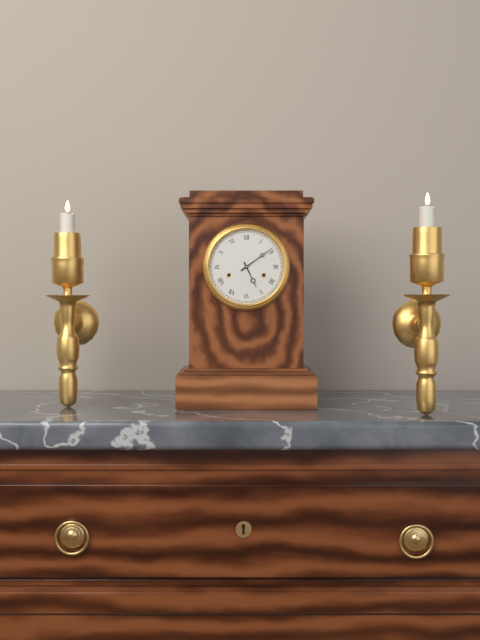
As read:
5:09
